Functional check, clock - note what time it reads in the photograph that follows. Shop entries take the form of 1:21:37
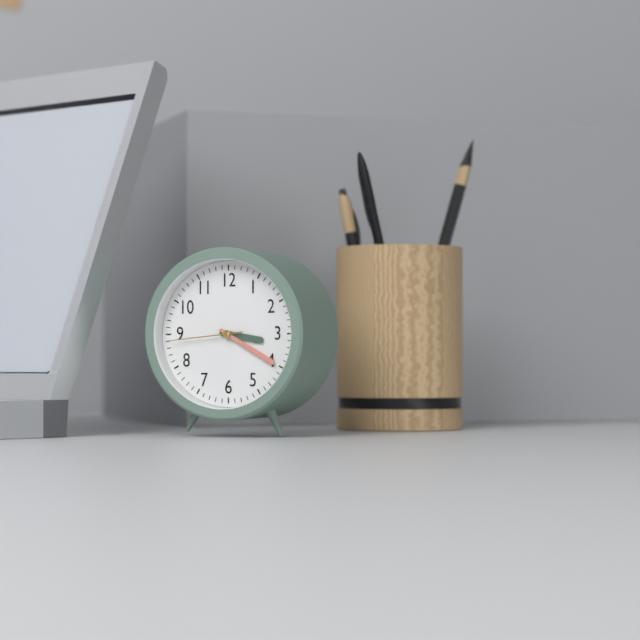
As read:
3:20:44
